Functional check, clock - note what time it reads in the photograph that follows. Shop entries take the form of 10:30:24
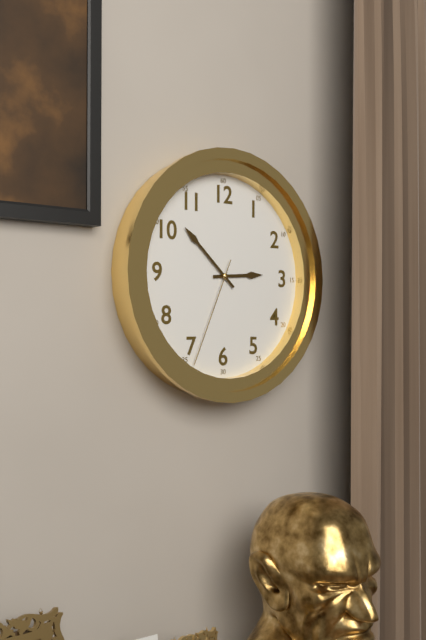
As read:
2:52:34
